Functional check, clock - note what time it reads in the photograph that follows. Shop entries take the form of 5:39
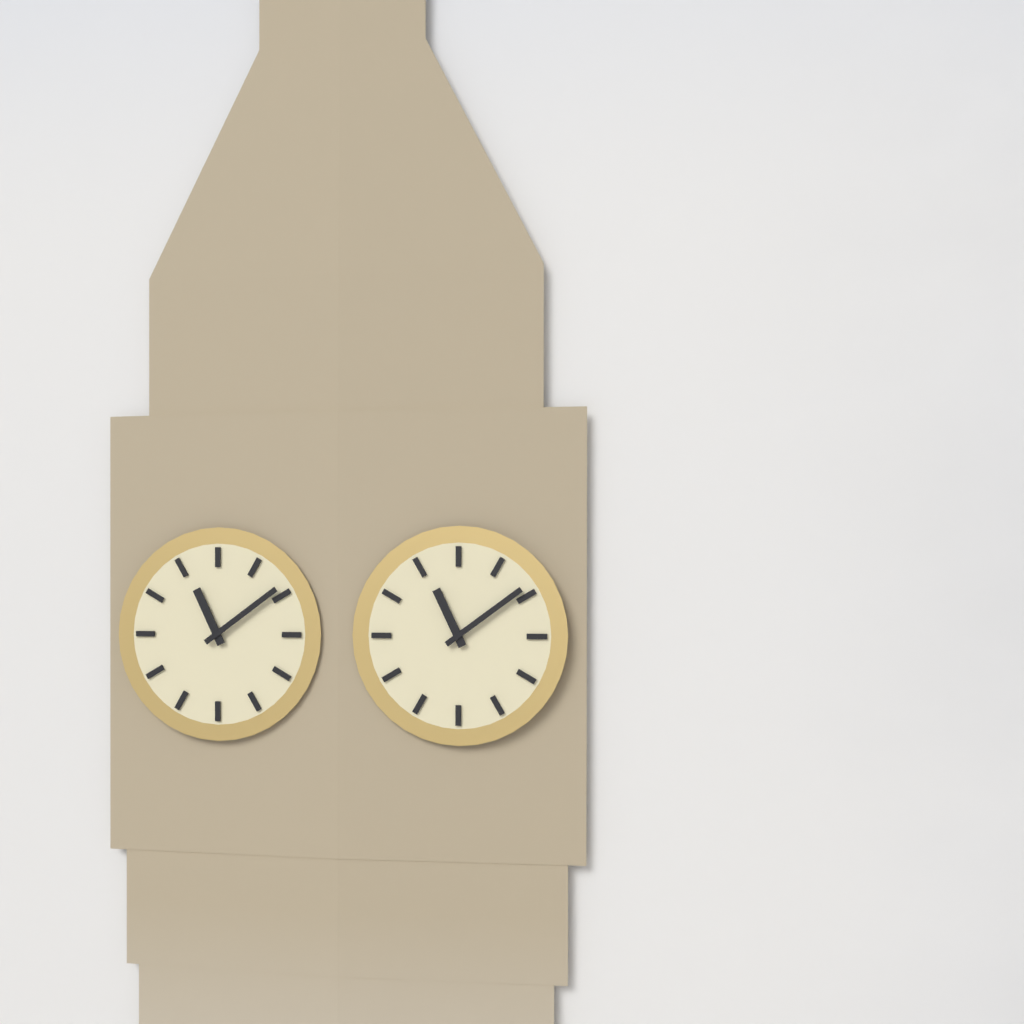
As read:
11:09
